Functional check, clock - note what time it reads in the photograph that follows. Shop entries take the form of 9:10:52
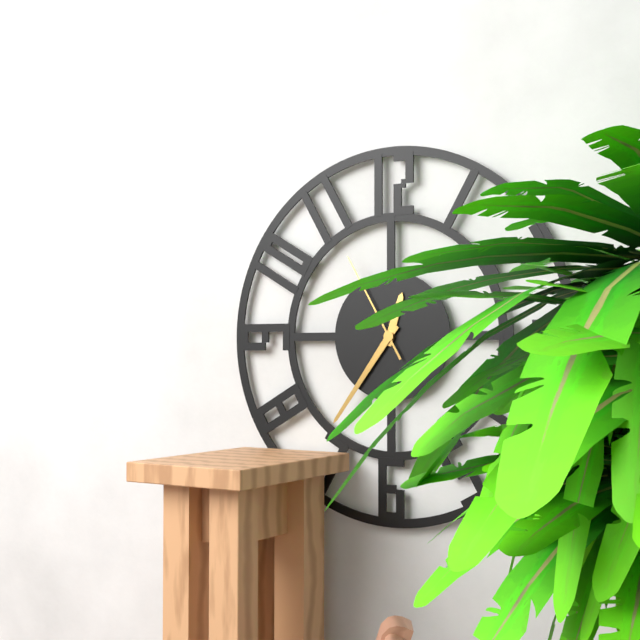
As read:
12:36:55
